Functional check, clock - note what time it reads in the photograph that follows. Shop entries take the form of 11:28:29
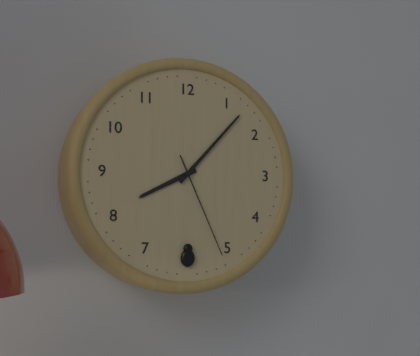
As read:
8:07:26
